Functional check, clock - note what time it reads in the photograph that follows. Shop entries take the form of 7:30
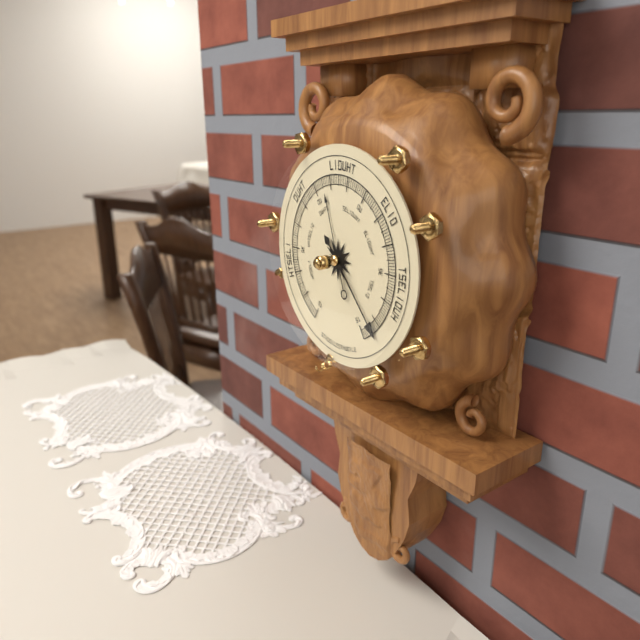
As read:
11:23
